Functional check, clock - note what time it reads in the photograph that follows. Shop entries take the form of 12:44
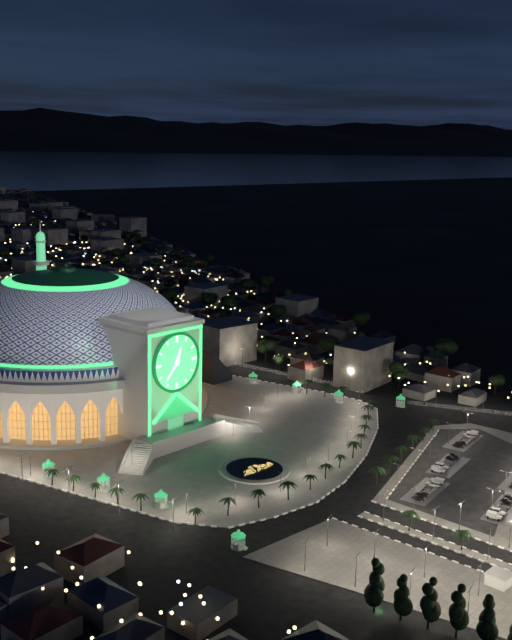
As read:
12:37
